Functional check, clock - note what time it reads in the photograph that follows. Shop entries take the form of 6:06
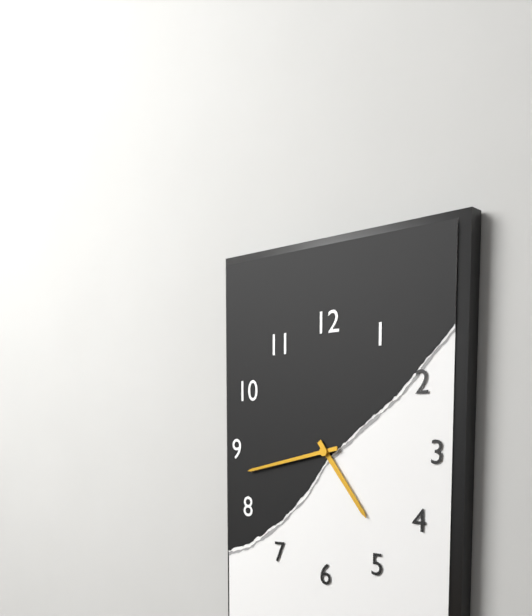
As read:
4:43
